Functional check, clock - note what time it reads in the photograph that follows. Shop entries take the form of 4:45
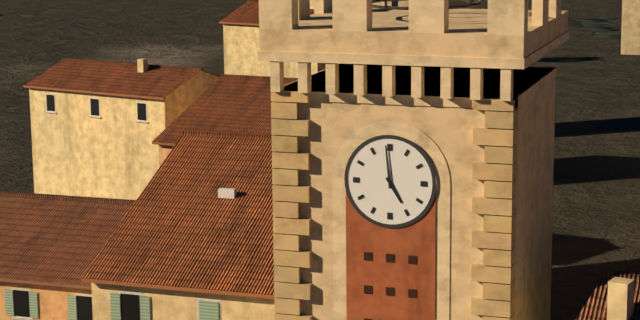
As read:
4:59
